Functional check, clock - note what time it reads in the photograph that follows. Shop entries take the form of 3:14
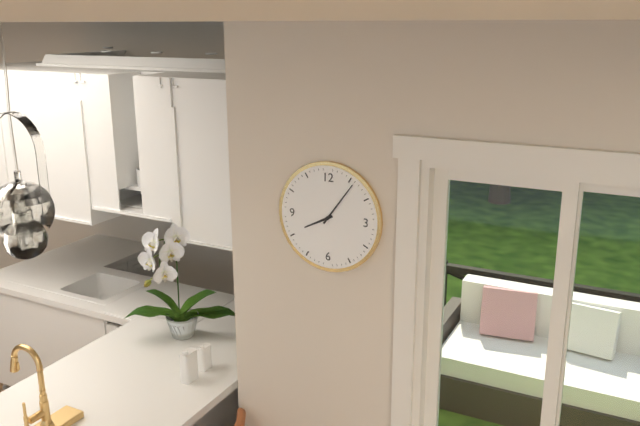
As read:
8:06
